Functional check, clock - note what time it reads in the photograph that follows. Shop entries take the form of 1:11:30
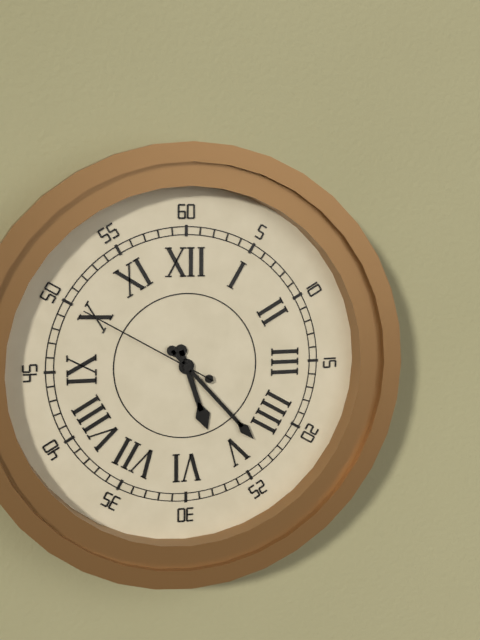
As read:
5:23:50
